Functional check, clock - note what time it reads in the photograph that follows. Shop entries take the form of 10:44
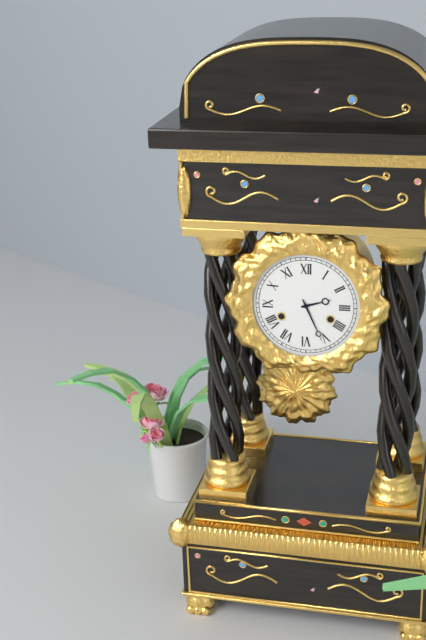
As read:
2:26
